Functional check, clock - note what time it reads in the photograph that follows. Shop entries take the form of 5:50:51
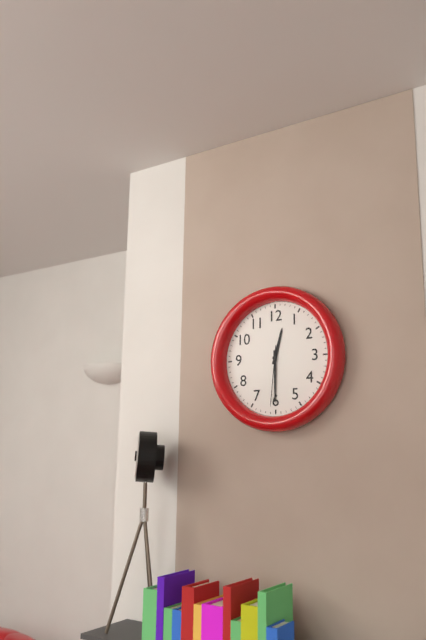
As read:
12:30:31
